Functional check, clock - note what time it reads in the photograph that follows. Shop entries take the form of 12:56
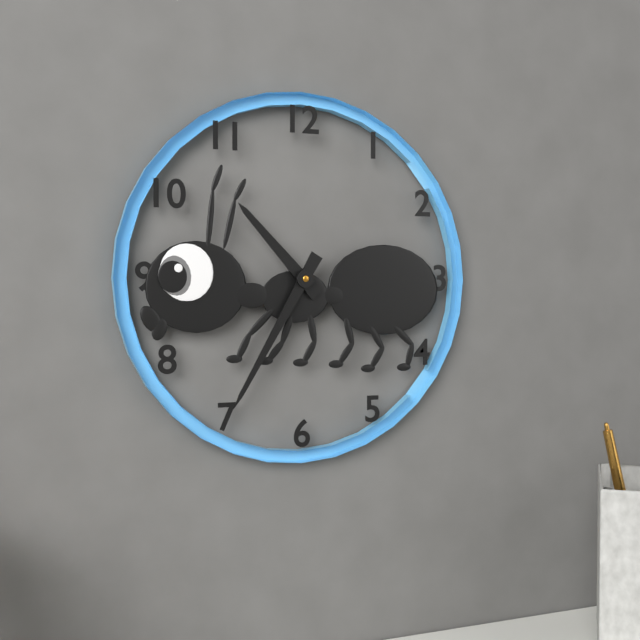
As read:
10:35
